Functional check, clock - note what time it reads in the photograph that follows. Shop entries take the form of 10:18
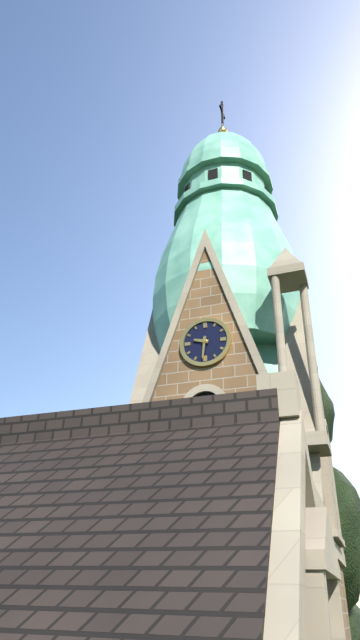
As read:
9:31
